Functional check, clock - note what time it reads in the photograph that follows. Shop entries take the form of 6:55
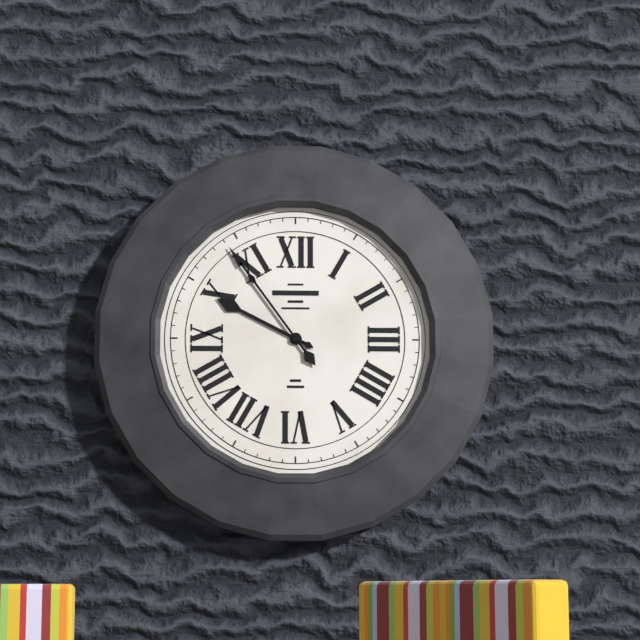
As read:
9:54
